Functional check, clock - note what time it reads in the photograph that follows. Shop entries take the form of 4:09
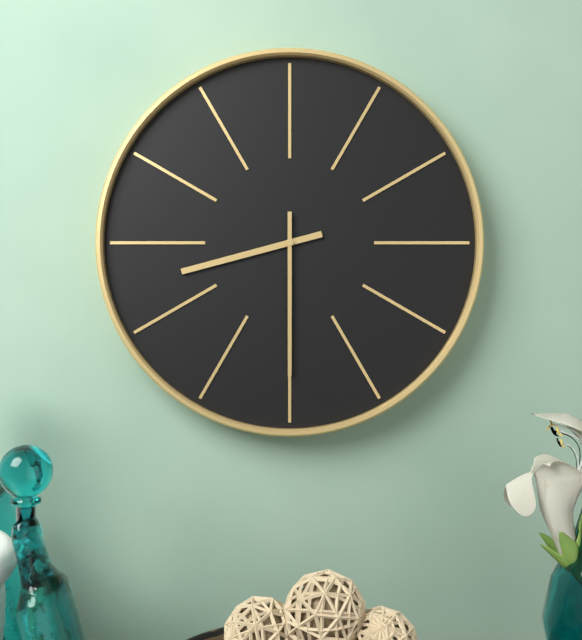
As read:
8:30
